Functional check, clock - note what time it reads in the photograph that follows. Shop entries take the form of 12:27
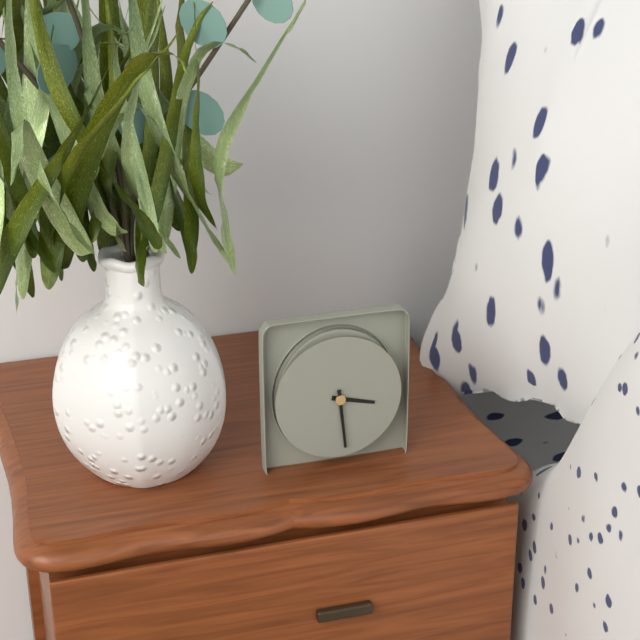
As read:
3:29
